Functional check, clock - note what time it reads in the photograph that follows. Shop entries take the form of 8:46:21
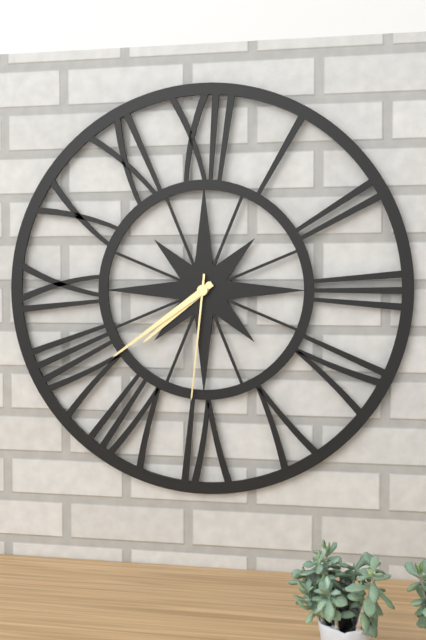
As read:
7:39:31
